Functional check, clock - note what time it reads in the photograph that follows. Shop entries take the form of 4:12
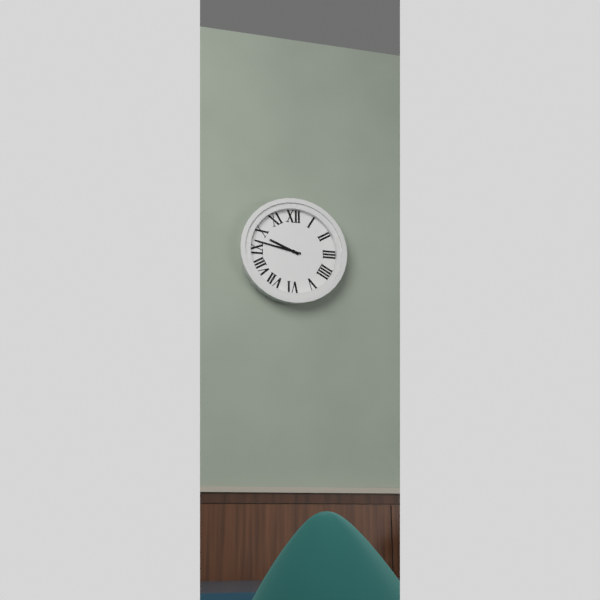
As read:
9:47
